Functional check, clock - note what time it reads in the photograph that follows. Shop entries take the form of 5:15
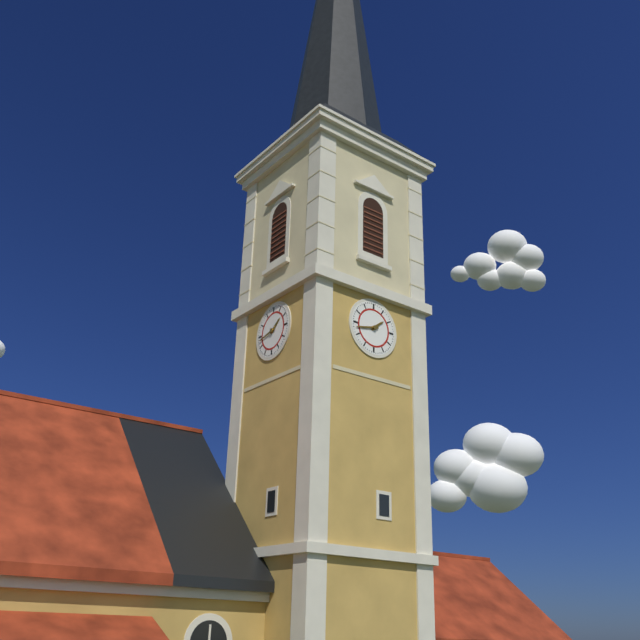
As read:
1:43
